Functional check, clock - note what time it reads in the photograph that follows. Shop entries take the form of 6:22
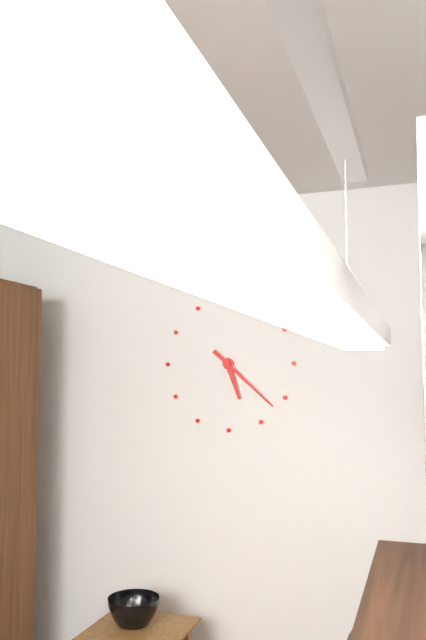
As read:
5:22
